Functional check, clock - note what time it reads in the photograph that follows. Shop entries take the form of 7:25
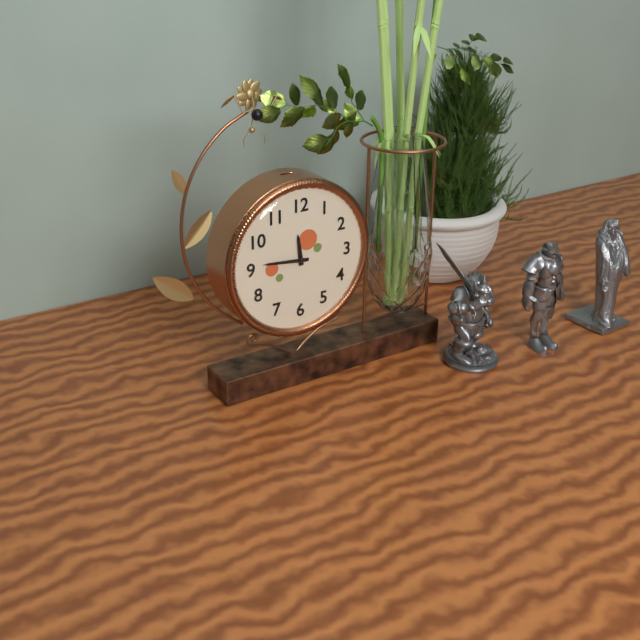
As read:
11:46
